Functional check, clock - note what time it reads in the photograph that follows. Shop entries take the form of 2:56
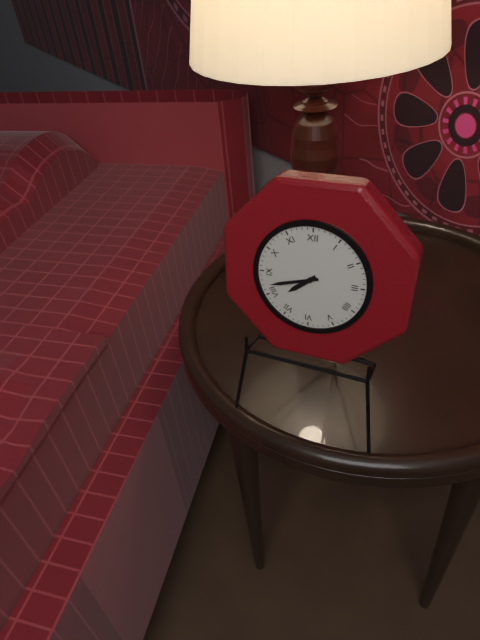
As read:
7:42
